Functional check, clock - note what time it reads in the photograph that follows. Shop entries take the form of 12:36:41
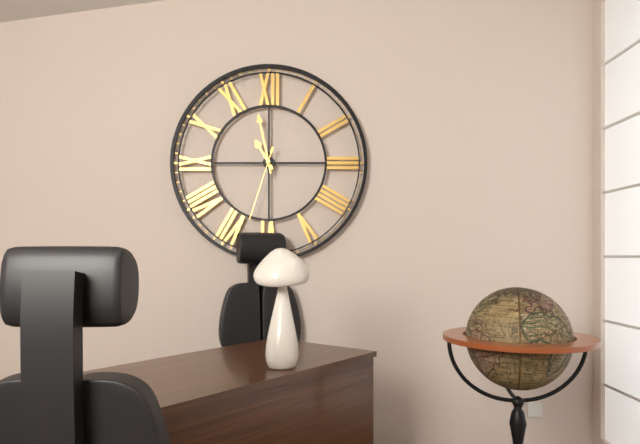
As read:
10:58:33
